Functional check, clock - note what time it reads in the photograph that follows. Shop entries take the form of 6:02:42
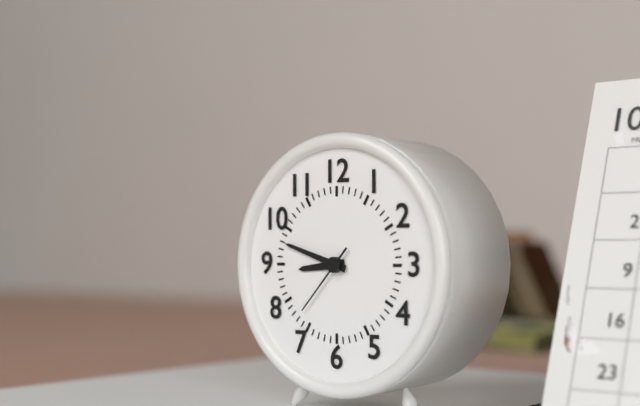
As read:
8:48:37
